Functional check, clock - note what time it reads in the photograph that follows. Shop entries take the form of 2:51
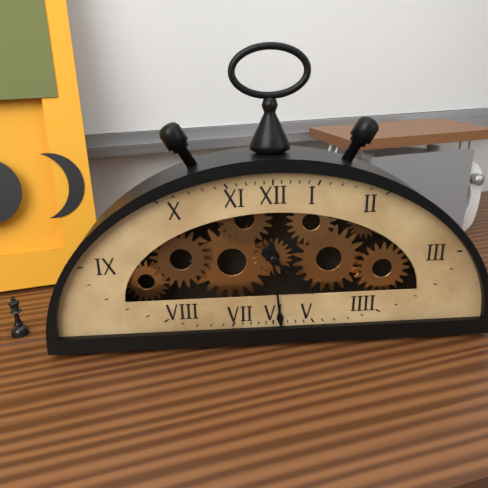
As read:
4:29
